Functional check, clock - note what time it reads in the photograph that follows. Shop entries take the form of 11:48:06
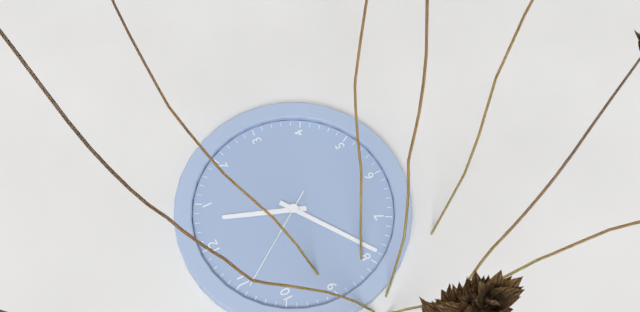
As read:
12:39:54
